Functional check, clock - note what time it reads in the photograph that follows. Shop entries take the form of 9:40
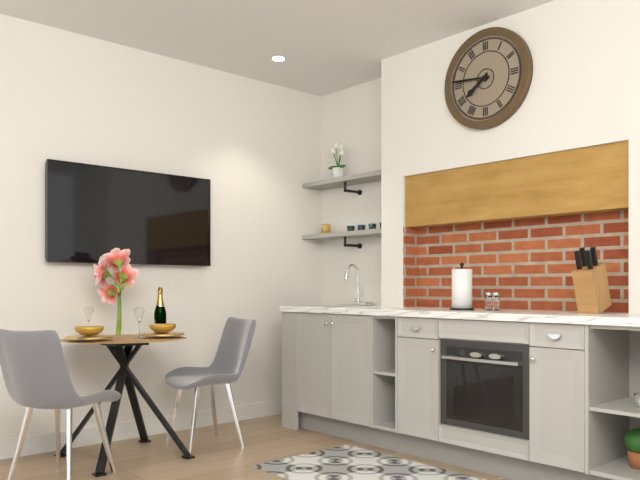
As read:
7:46
